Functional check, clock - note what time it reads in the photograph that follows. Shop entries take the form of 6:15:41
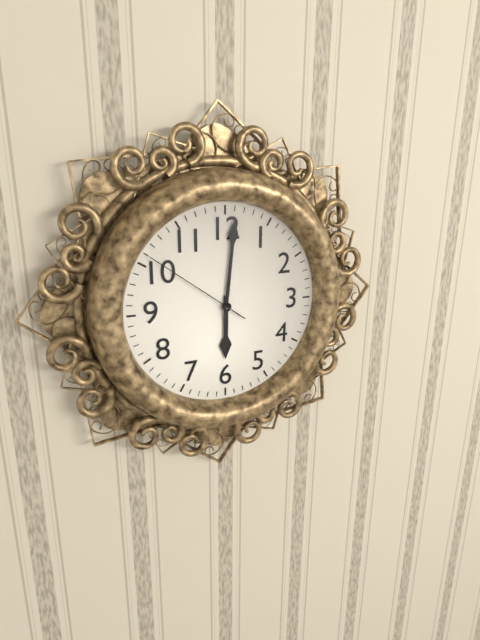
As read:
6:01:51
